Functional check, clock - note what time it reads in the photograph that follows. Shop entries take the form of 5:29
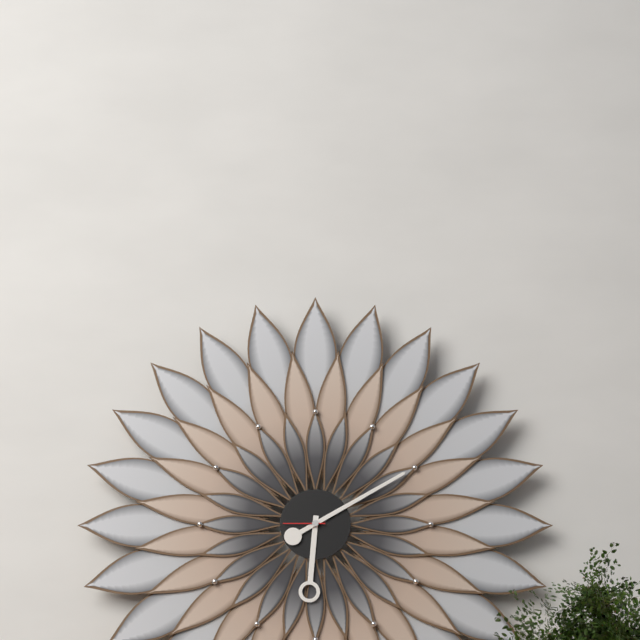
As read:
6:10
